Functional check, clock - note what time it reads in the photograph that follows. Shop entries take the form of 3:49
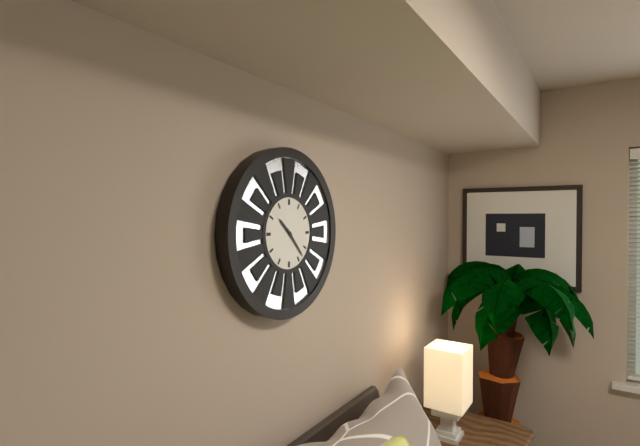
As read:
10:23
